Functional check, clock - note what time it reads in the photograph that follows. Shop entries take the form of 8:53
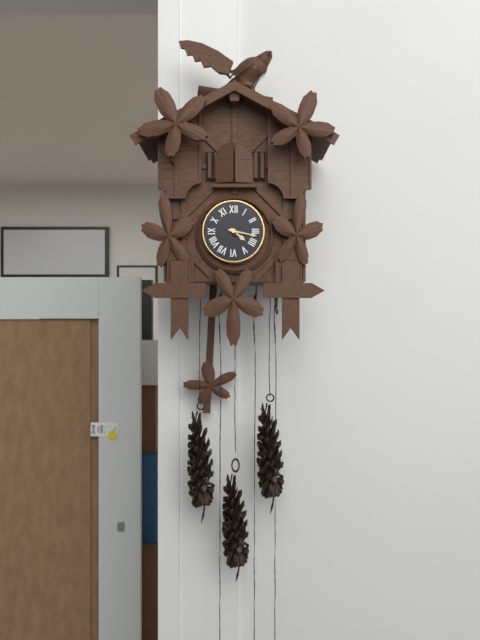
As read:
4:17
